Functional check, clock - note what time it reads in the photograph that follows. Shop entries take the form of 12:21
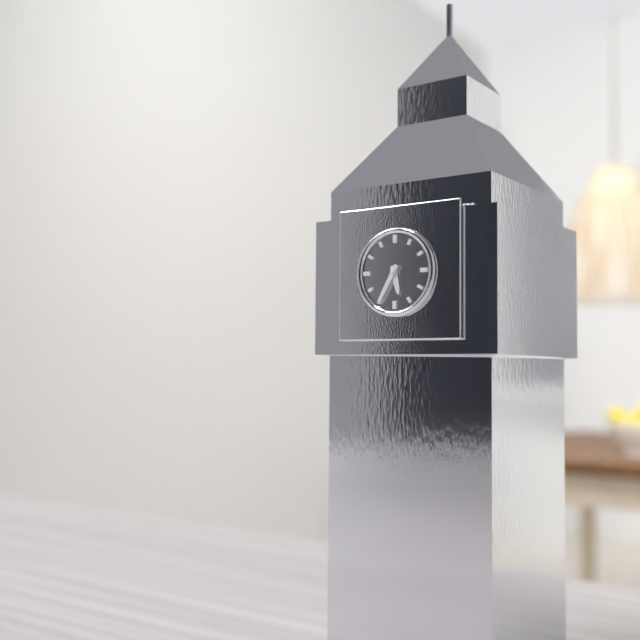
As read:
5:35
